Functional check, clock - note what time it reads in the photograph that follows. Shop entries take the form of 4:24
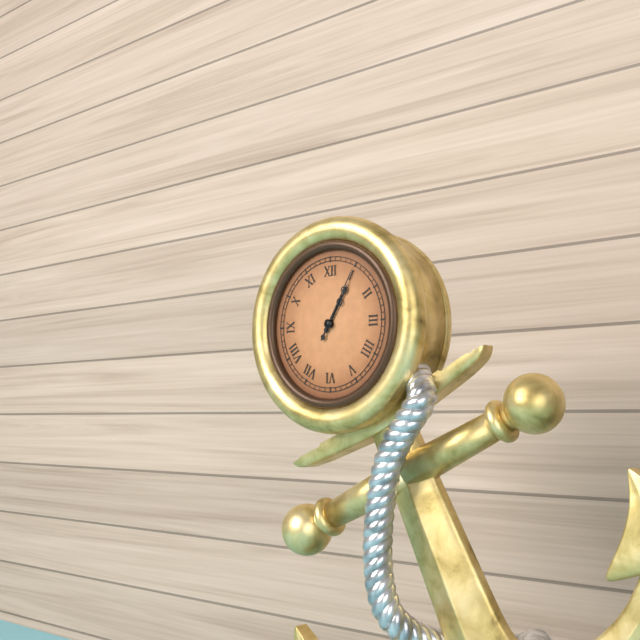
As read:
1:05
